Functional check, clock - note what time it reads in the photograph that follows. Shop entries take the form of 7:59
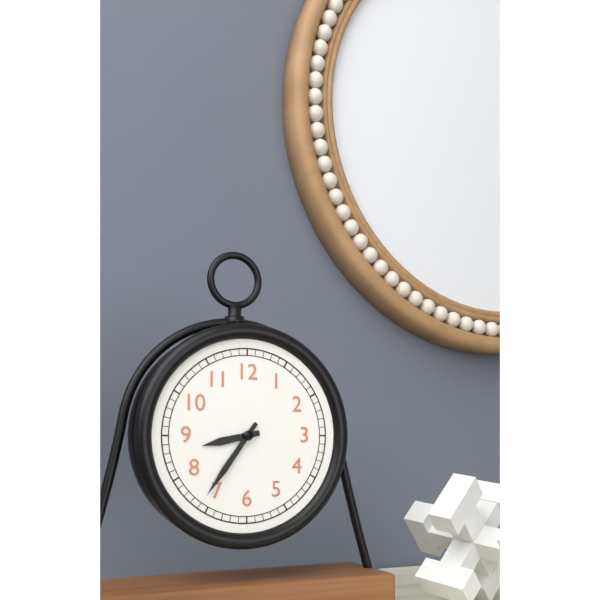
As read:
8:36
